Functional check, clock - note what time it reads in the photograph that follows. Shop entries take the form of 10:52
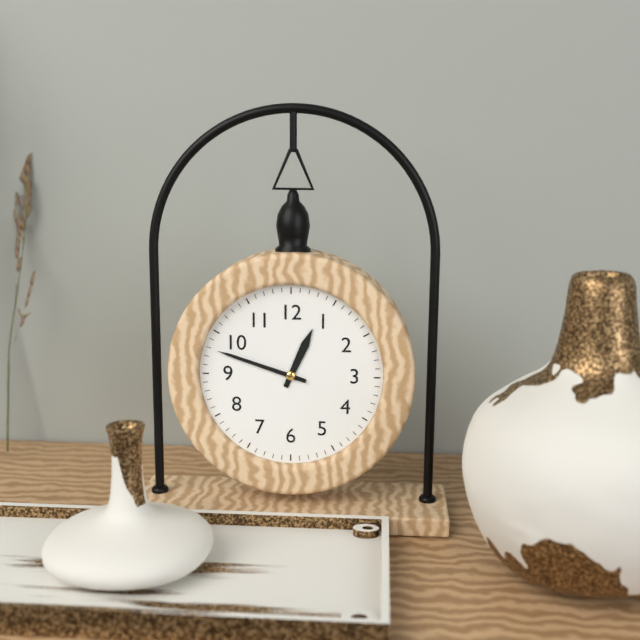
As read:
12:48
